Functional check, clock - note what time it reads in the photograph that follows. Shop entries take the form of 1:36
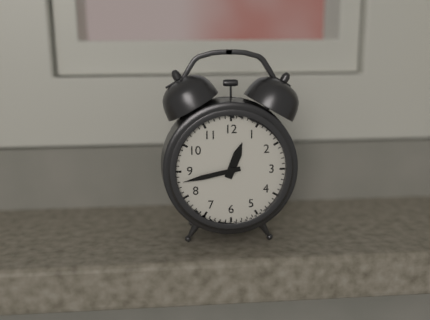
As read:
12:43
